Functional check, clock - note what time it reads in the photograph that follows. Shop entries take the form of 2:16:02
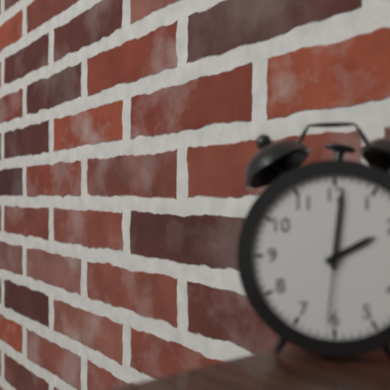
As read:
2:01:31
